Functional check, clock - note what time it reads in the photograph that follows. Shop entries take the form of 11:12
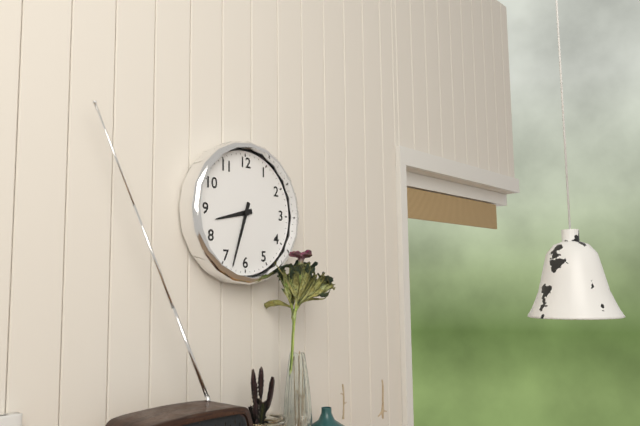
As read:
8:33
